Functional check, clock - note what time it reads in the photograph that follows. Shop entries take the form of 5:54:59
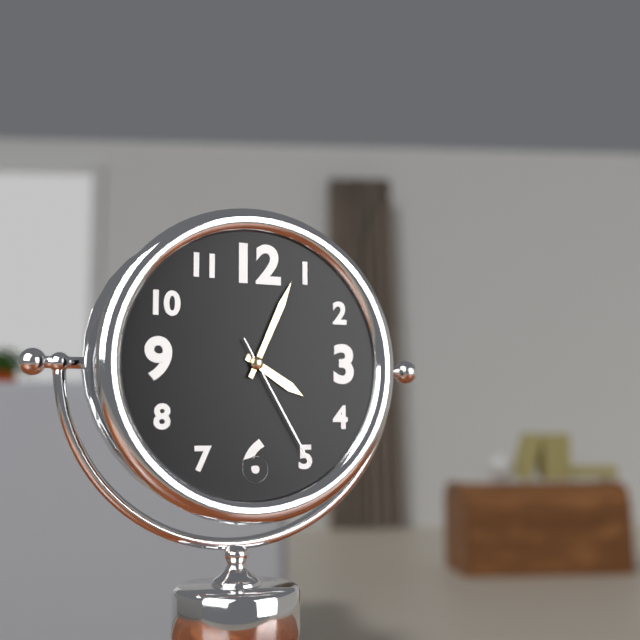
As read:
4:04:25
